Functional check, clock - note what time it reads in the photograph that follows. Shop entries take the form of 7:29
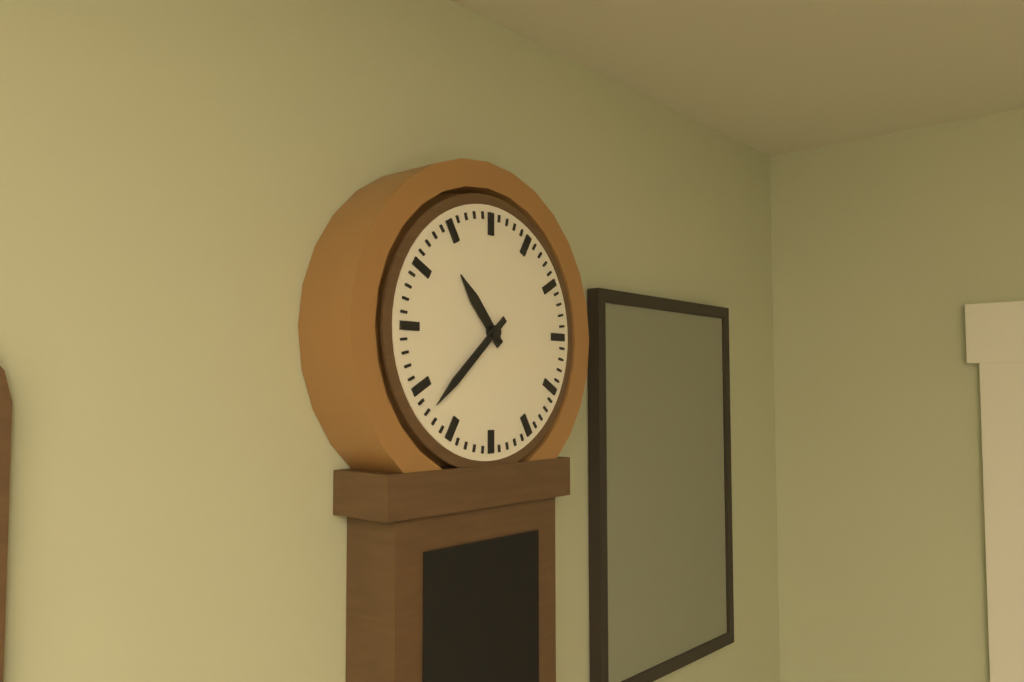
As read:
10:38
